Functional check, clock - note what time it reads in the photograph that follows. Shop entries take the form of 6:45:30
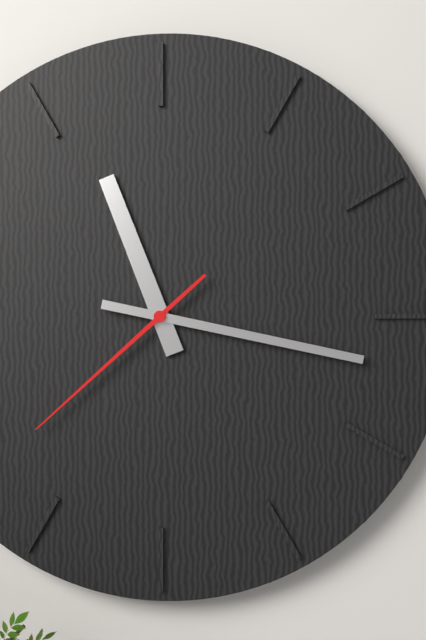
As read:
11:17:38
